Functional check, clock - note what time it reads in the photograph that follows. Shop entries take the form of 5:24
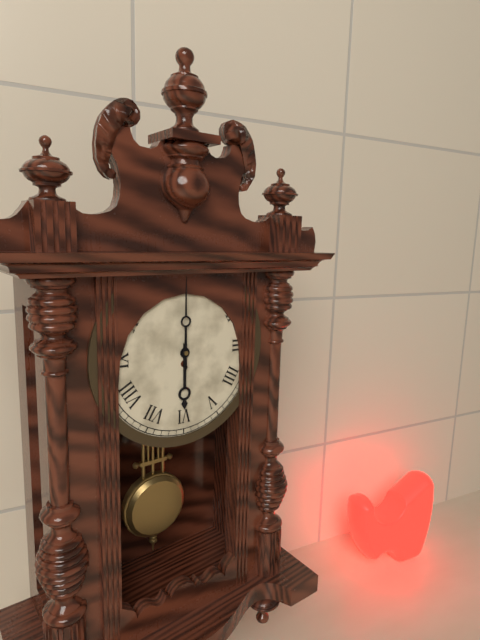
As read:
6:00
